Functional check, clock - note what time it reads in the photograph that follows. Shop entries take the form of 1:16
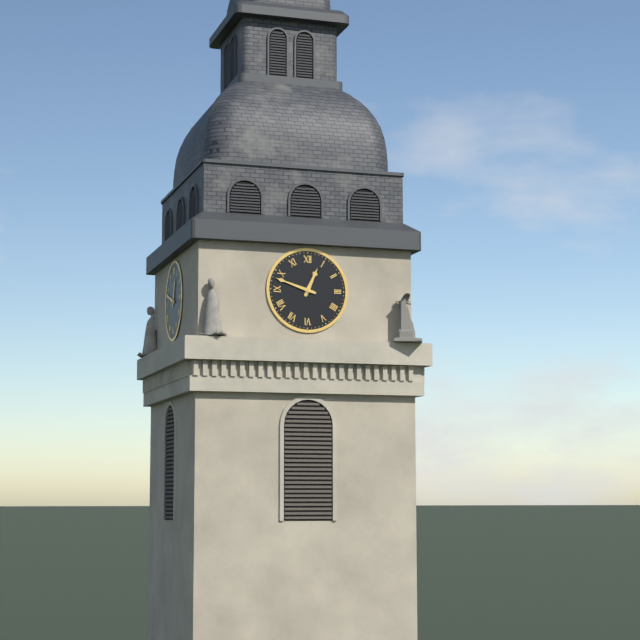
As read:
12:48
